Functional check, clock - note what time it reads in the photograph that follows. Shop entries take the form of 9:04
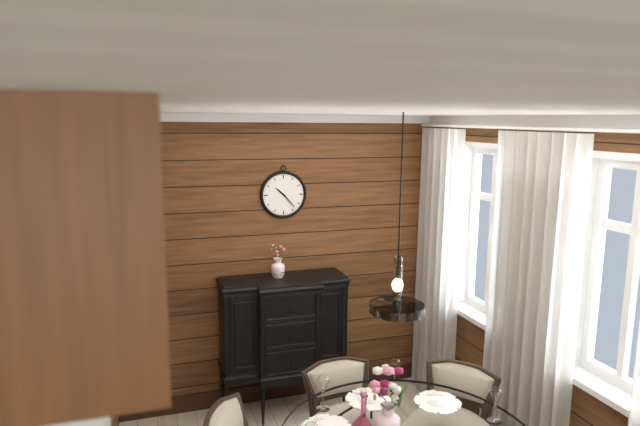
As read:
10:23
